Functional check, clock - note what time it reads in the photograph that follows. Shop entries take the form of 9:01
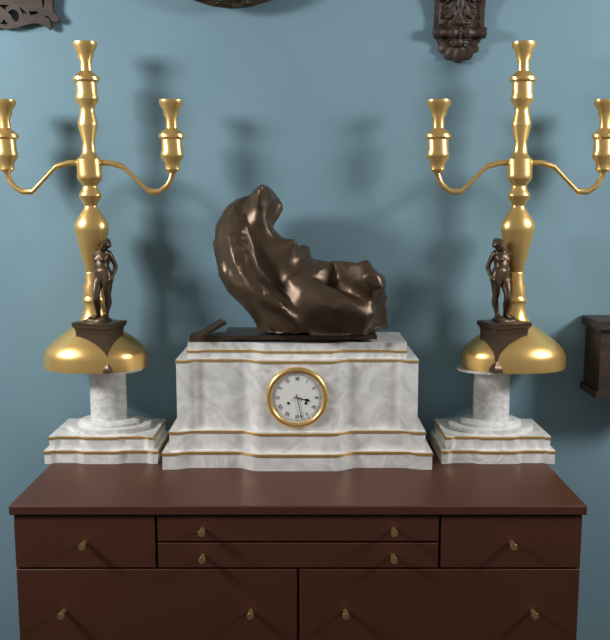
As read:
3:28
